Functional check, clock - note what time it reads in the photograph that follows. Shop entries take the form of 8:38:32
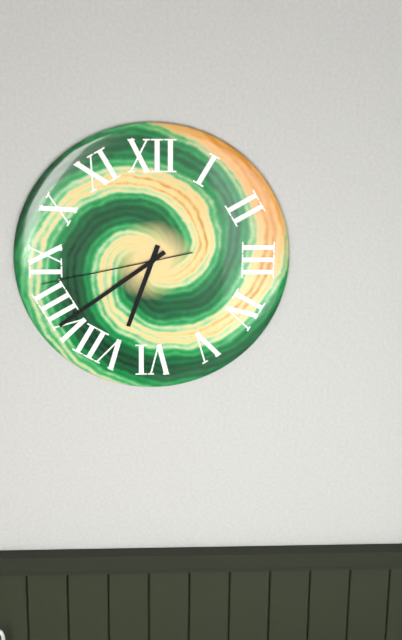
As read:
6:39:43
